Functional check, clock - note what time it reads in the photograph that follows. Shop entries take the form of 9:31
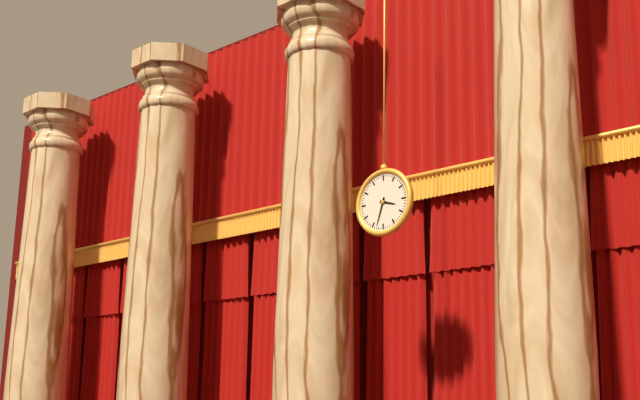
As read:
3:33
